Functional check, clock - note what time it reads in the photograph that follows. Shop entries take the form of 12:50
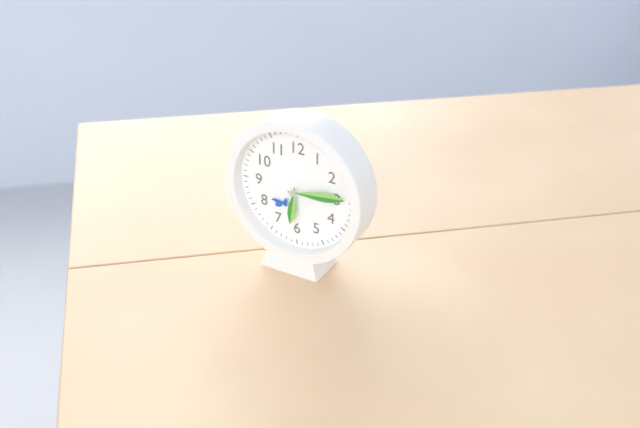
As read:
6:14
